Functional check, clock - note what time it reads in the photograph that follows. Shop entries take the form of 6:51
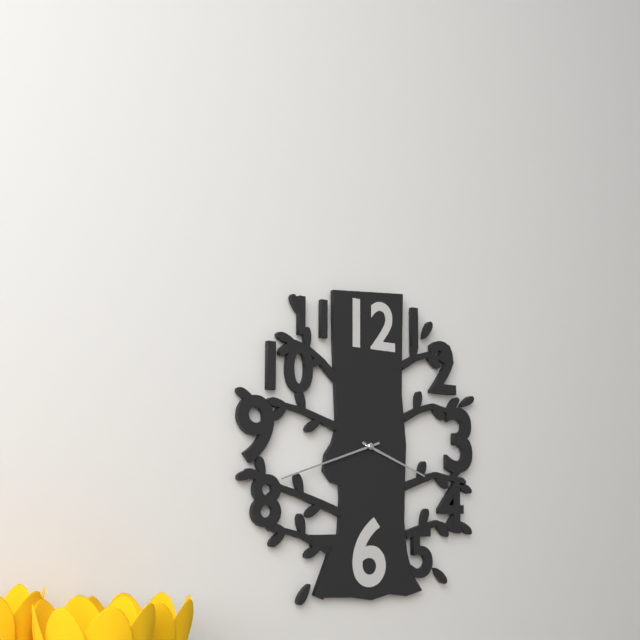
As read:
3:42
